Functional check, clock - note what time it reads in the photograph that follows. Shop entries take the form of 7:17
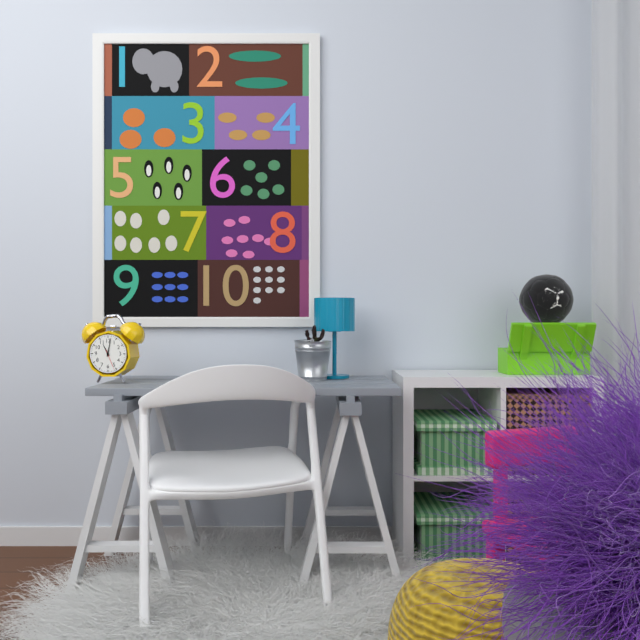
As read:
11:02
